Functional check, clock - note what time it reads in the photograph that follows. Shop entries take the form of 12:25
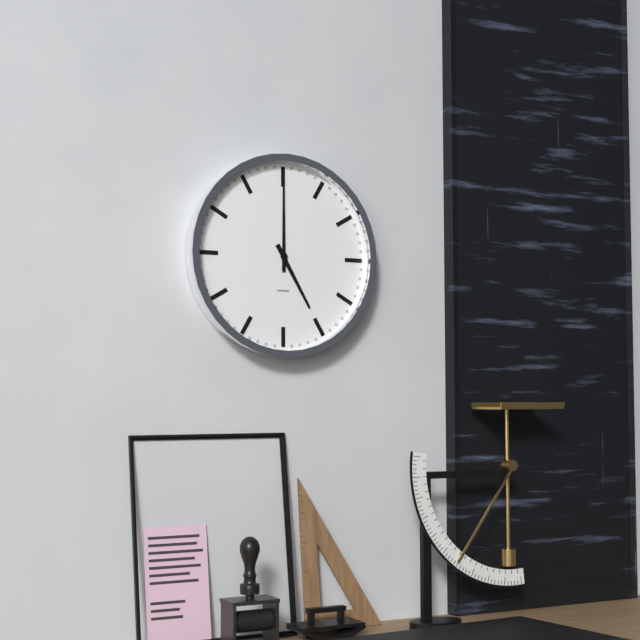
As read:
5:00
